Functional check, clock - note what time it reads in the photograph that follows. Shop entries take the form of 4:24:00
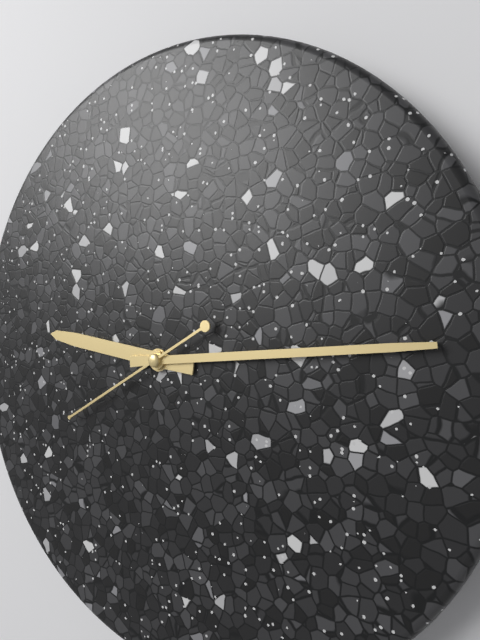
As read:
9:14:40
